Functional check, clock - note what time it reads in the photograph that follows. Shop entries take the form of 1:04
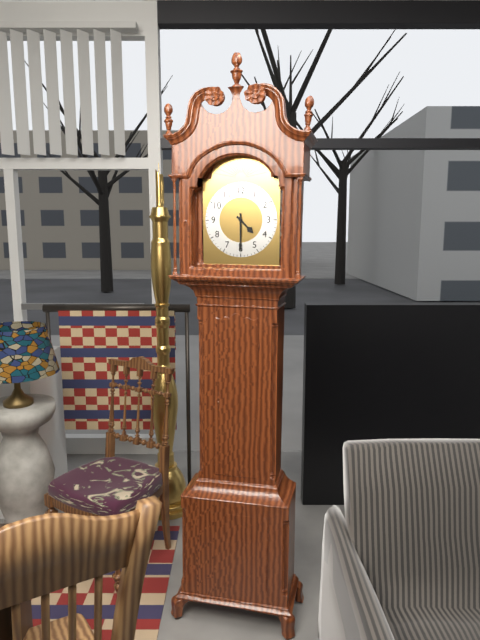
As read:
4:30
